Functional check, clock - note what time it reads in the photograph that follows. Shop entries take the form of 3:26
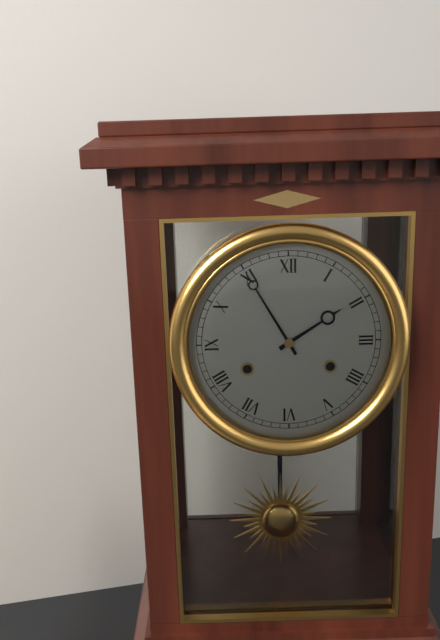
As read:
1:55
